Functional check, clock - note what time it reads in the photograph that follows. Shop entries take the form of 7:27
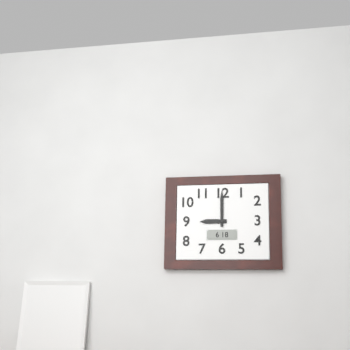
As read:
9:00
